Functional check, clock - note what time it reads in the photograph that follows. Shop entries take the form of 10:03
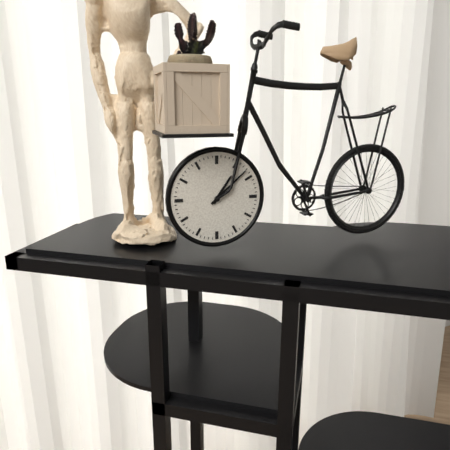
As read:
1:08
